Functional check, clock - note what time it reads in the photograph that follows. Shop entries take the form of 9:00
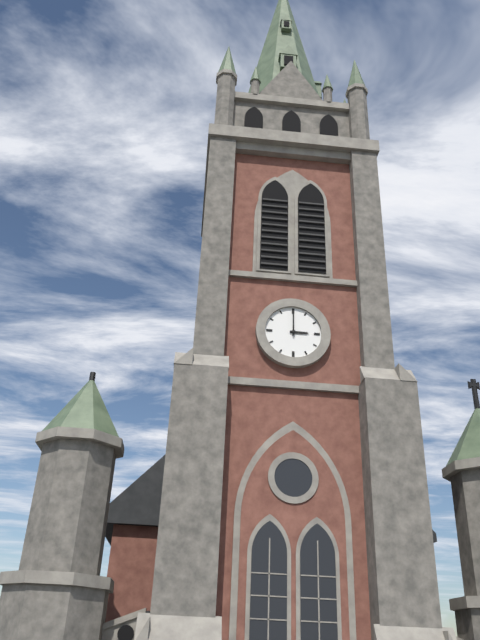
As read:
3:00
